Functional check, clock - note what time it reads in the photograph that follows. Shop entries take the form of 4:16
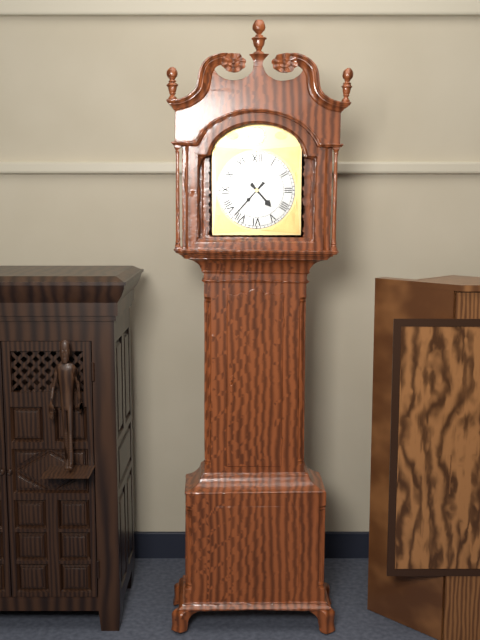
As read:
4:37
